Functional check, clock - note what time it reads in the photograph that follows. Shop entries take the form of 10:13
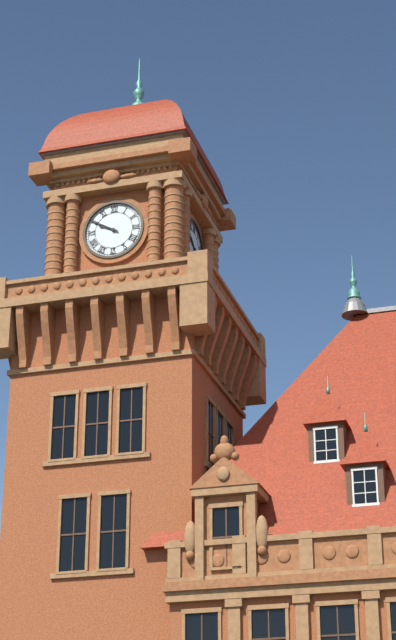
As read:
9:50
